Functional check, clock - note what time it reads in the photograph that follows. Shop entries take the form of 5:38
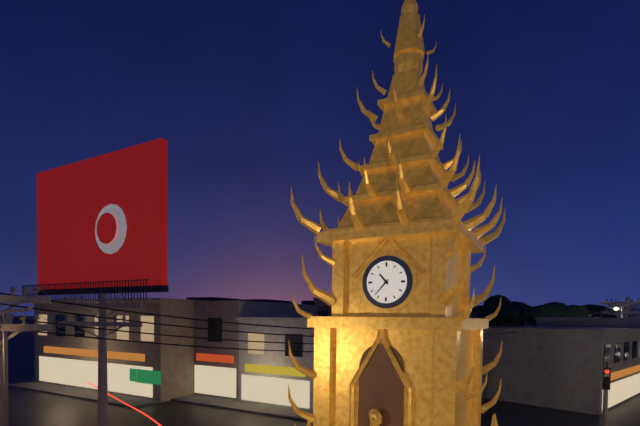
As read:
10:37
